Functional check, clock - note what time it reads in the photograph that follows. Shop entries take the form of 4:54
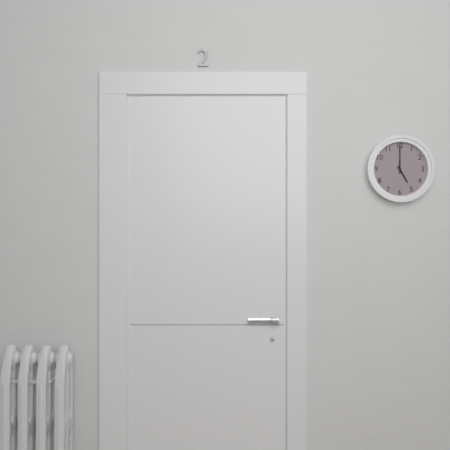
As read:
5:00
